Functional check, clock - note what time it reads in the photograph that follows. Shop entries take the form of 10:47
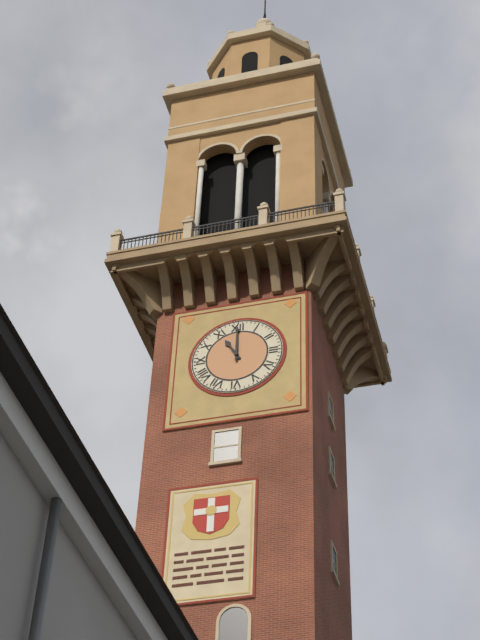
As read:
11:00
